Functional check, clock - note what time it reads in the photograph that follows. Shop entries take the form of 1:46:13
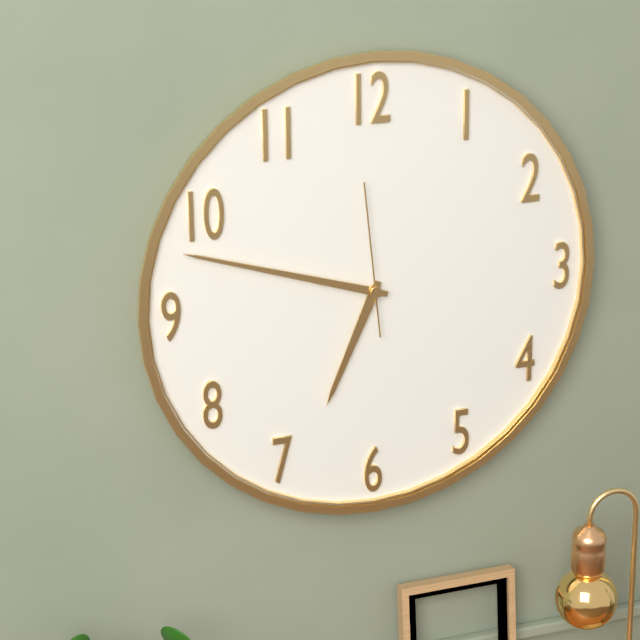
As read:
6:48:59
